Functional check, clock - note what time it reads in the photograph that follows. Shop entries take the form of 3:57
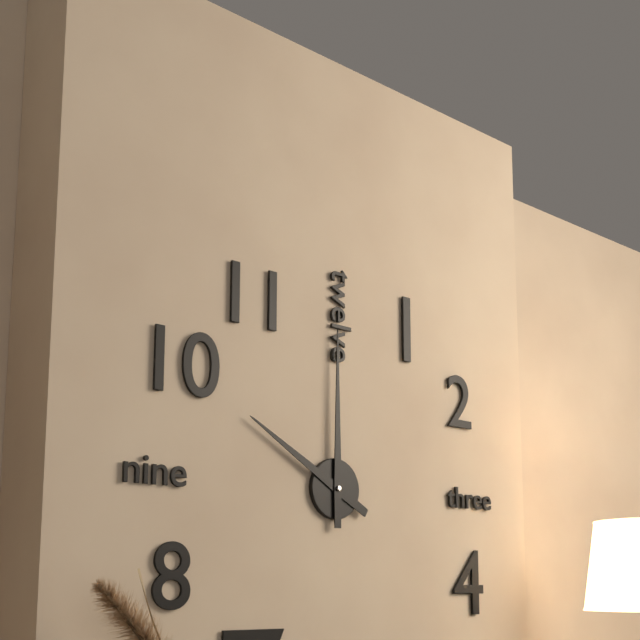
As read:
10:00
